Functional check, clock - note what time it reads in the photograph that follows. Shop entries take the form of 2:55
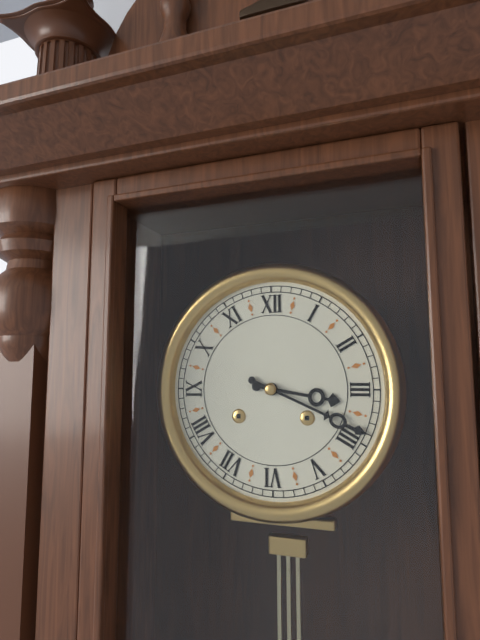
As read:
3:19
